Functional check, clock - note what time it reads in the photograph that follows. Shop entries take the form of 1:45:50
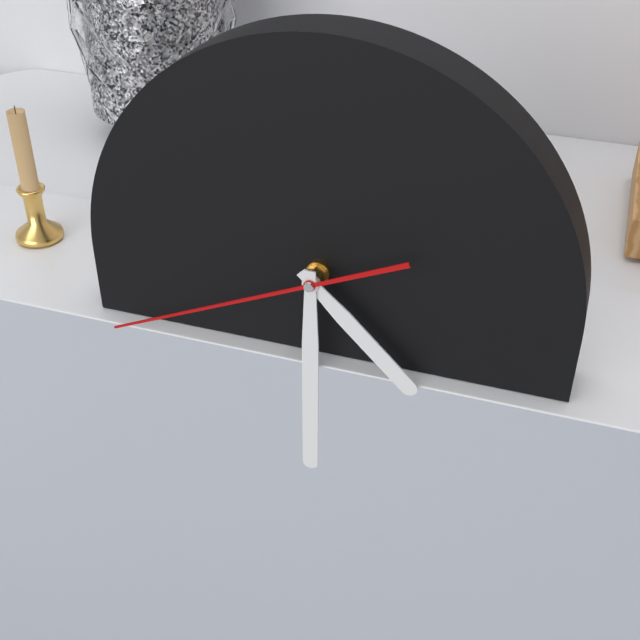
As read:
4:30:41
